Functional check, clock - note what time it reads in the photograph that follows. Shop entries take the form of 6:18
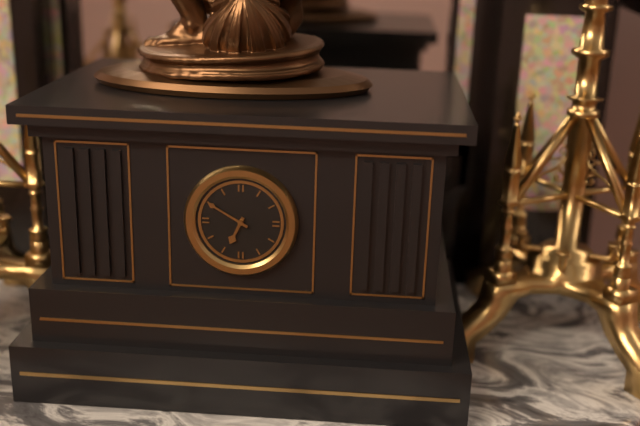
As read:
6:50
